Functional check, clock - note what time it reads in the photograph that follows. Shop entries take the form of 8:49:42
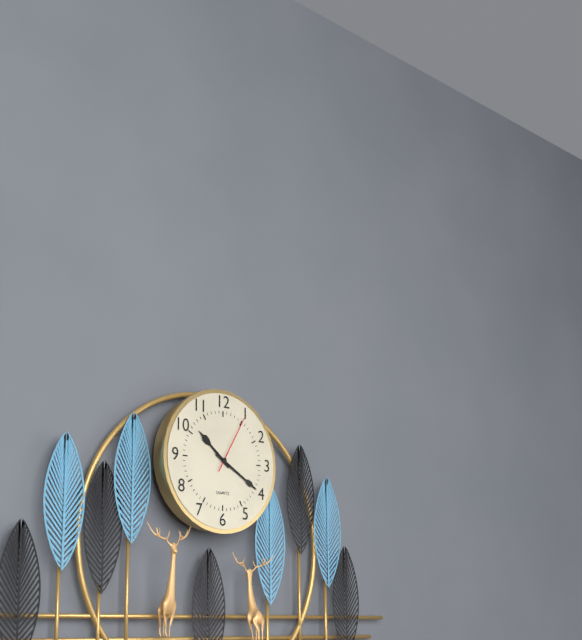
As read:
10:20:05
